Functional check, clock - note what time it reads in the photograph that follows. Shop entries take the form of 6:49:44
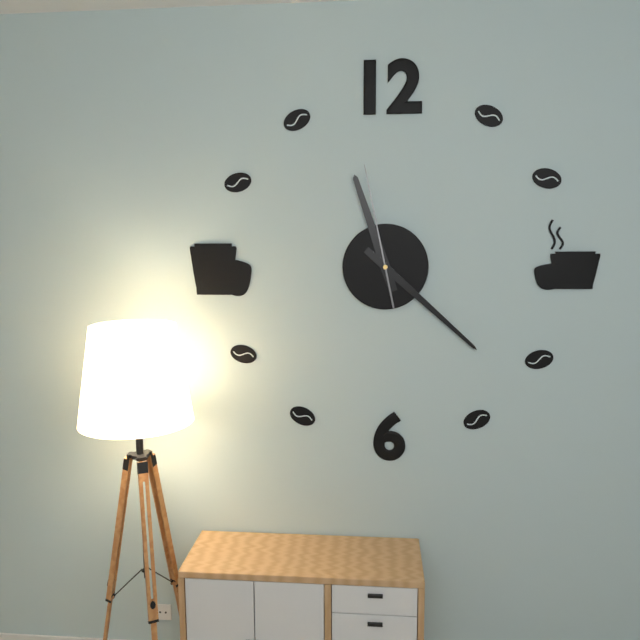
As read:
11:22:58
